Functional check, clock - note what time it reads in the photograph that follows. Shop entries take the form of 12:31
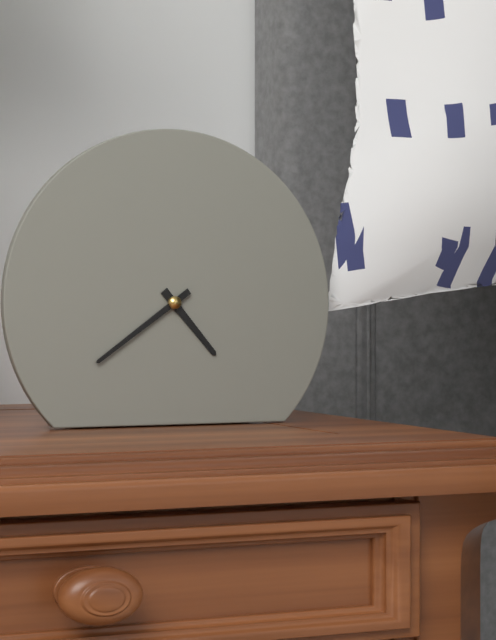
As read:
4:39
